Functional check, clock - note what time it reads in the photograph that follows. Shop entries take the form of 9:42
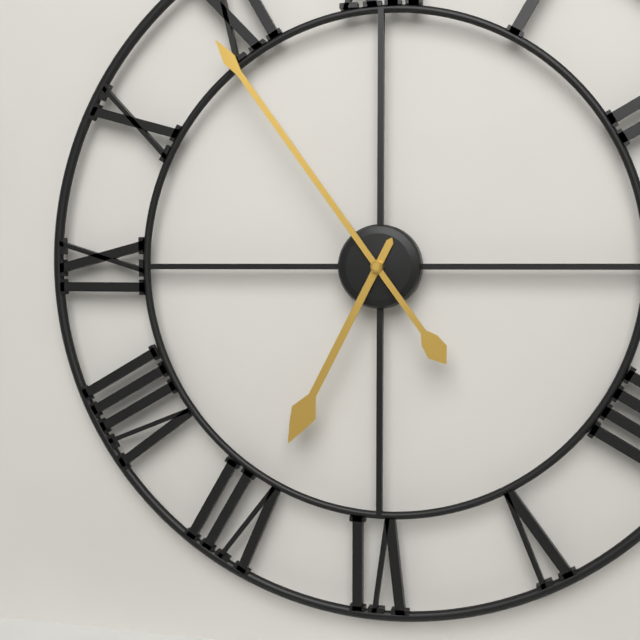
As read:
6:54
